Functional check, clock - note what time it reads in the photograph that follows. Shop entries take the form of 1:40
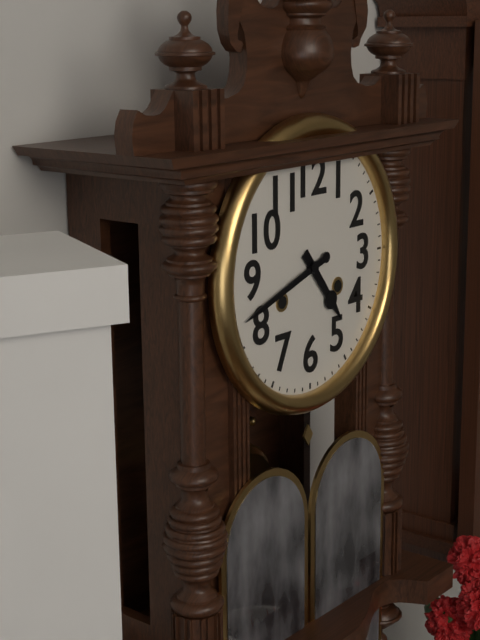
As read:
4:42
